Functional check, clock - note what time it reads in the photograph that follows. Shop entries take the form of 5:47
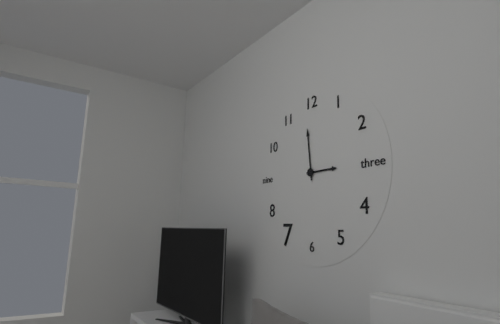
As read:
2:59
